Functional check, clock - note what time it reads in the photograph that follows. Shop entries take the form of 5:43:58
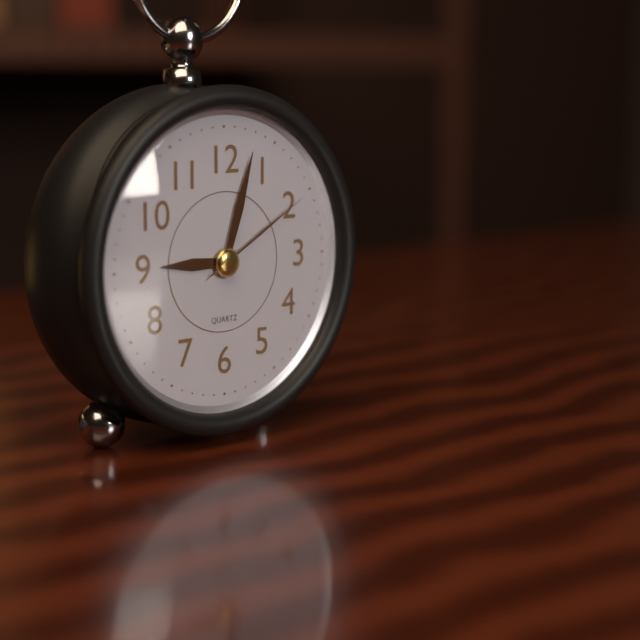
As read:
9:03:10
